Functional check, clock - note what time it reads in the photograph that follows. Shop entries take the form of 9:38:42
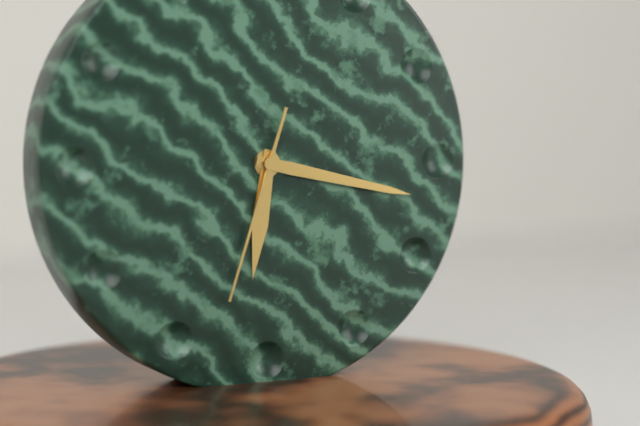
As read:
6:17:33
